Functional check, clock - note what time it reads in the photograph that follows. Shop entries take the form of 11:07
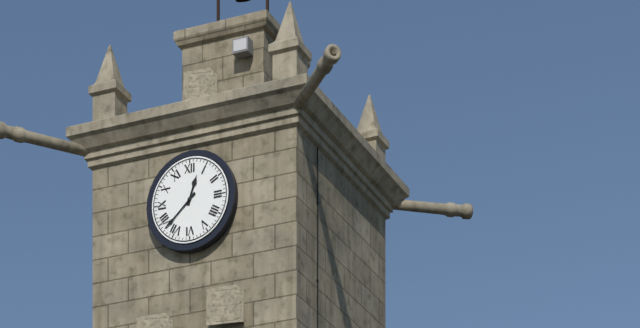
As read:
12:38
